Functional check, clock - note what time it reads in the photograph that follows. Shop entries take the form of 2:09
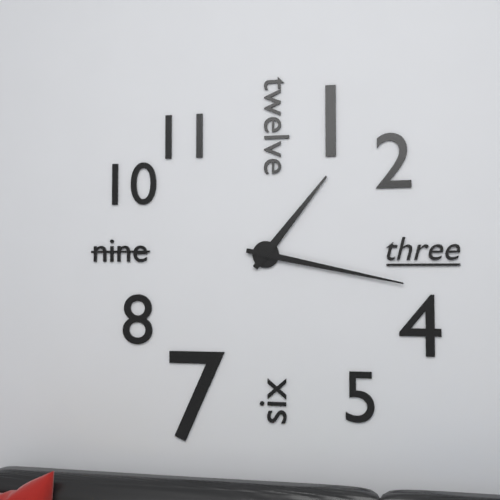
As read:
1:17
